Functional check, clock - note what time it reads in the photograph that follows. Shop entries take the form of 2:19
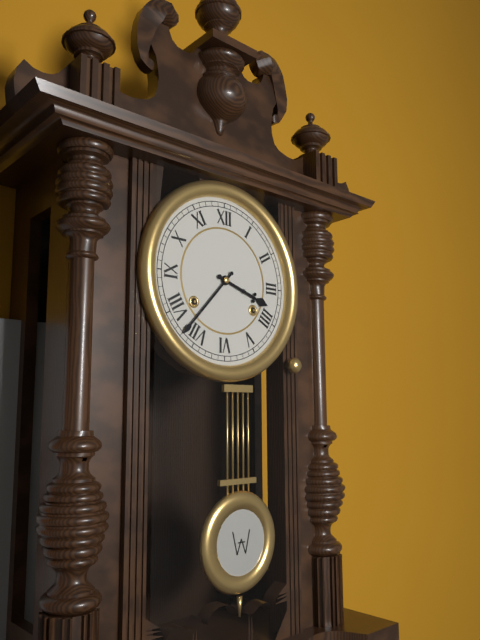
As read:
3:37
